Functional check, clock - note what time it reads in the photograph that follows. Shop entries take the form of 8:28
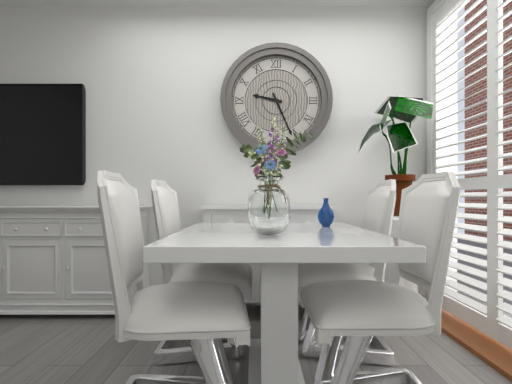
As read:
9:26
